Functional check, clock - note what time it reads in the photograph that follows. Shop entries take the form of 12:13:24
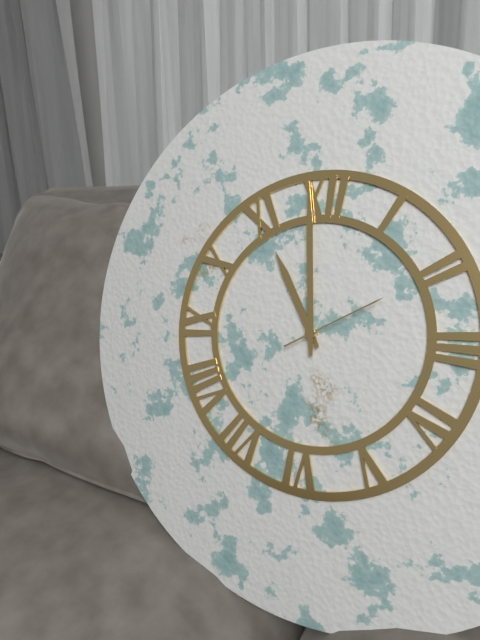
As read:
10:59:10
